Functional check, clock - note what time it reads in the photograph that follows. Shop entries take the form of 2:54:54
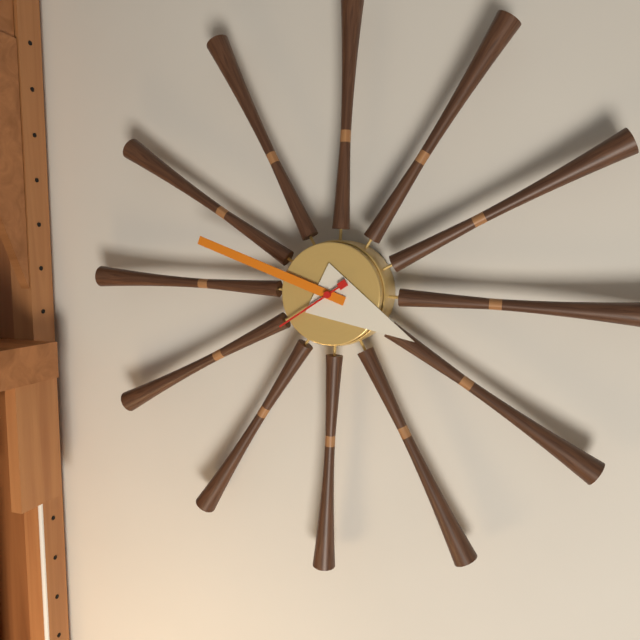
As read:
3:48:39
